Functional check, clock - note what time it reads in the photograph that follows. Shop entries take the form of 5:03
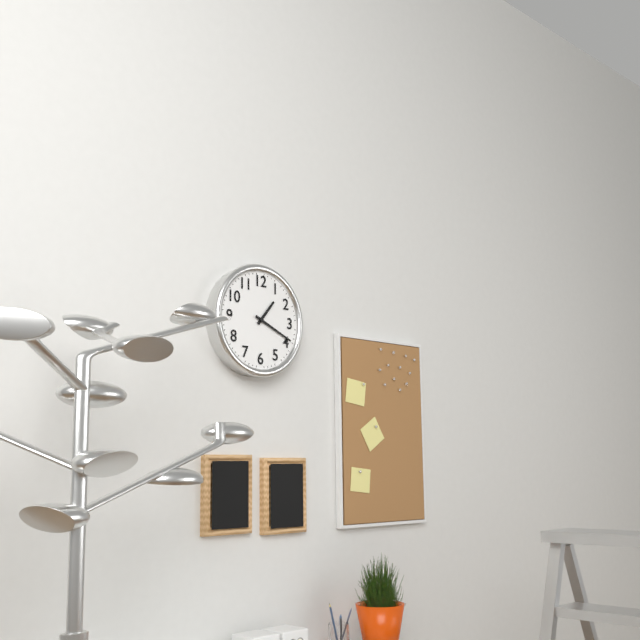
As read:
1:19
